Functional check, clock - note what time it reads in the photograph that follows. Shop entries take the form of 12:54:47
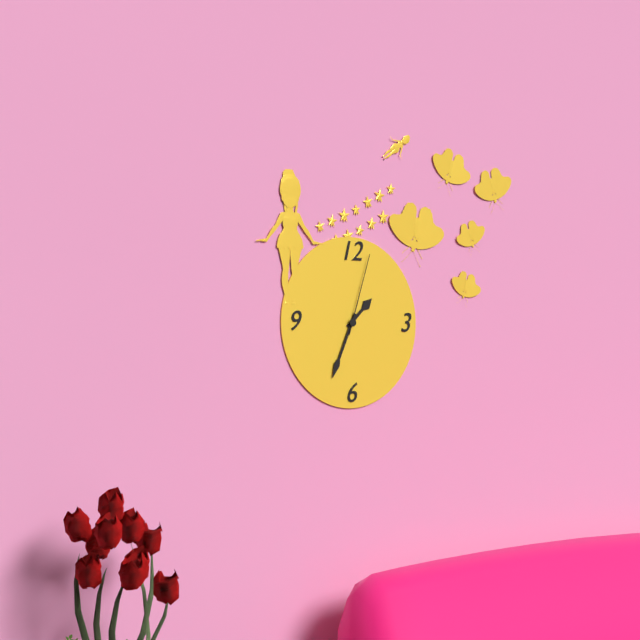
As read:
1:34:03
